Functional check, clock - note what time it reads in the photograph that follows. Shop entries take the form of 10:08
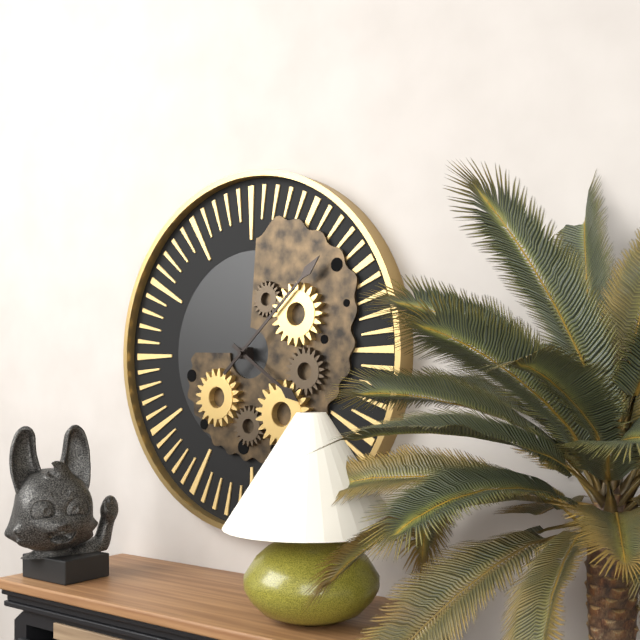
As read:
4:08
